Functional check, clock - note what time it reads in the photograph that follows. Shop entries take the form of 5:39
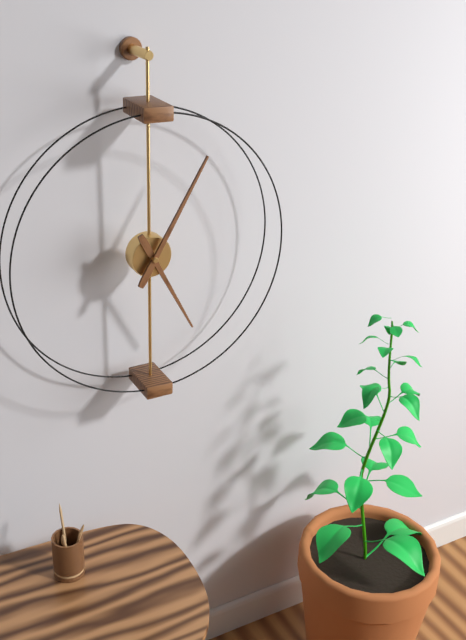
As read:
5:05
